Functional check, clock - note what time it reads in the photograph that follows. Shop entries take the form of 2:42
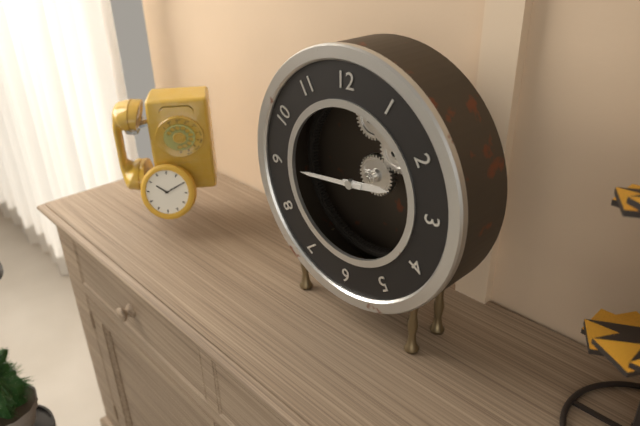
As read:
2:44
